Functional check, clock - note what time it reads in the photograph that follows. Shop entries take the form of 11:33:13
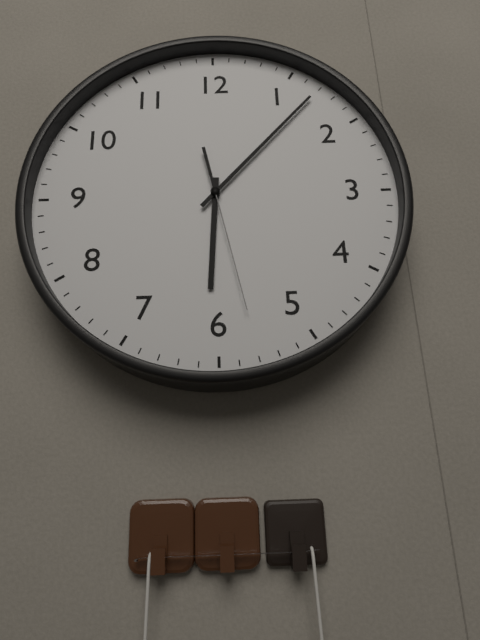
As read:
6:07:28
